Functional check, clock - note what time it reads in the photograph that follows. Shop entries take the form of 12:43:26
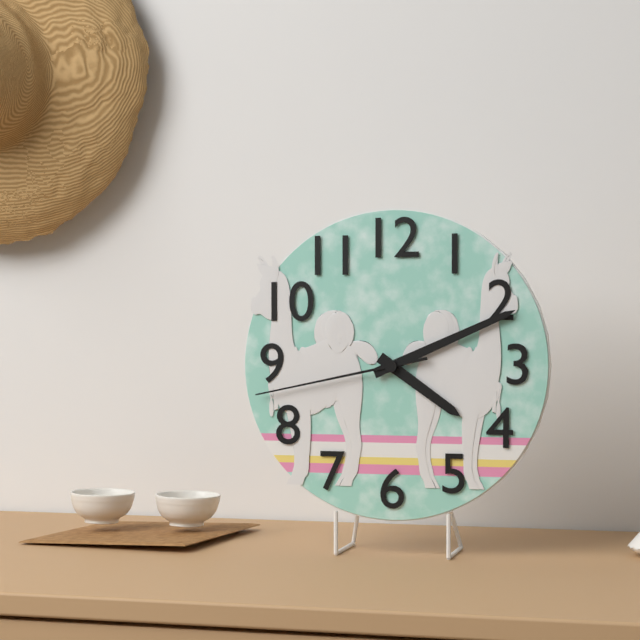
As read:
4:11:43
